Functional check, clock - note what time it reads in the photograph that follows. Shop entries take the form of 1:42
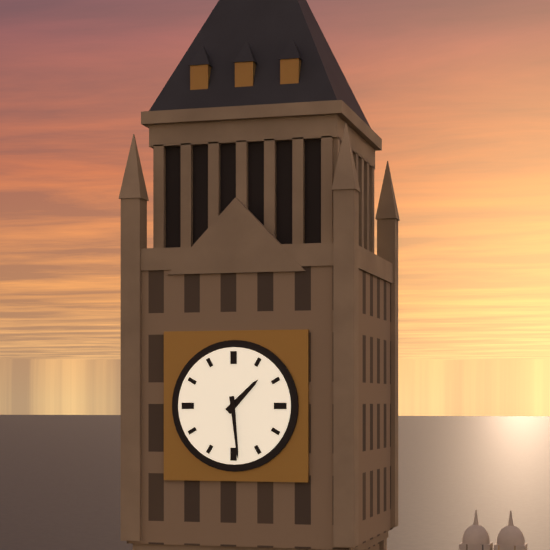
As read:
1:29
